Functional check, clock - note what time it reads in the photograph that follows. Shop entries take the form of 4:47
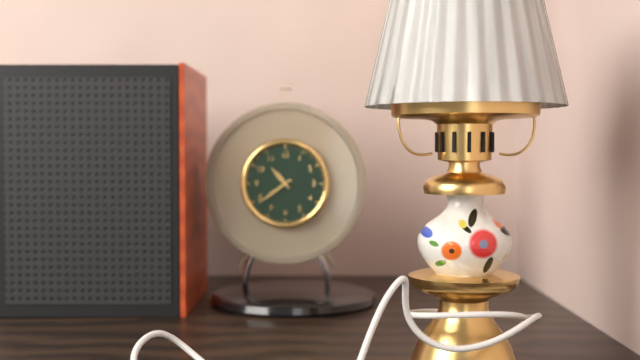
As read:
10:39
